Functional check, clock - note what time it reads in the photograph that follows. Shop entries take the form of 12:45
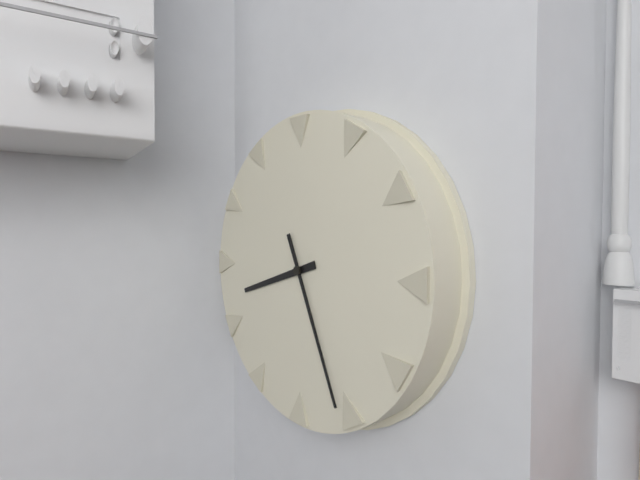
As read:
8:26
